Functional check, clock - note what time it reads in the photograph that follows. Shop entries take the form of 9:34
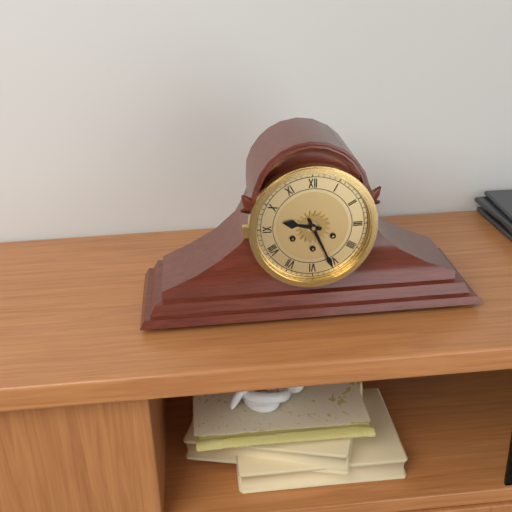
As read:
9:26
